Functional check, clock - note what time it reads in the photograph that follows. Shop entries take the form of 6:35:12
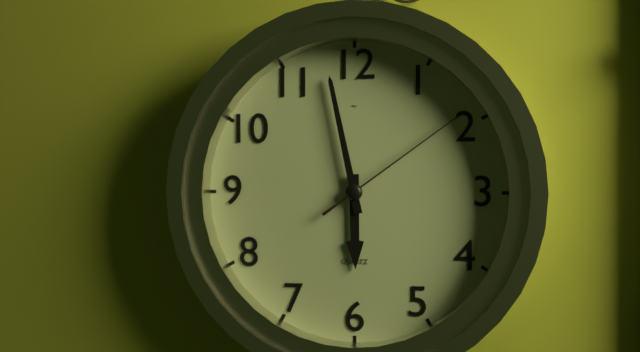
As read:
5:58:09
